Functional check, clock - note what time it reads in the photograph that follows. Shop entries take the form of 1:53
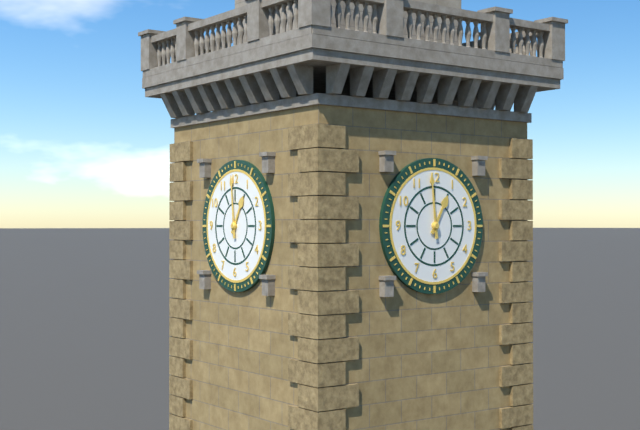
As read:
12:59
